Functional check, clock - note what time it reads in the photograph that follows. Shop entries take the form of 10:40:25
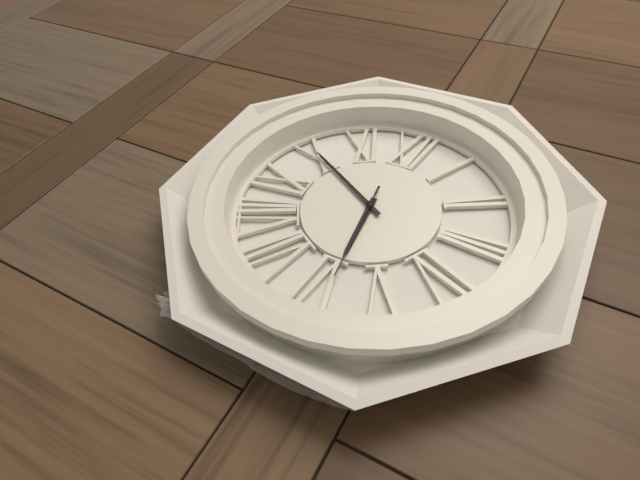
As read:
5:50:29
